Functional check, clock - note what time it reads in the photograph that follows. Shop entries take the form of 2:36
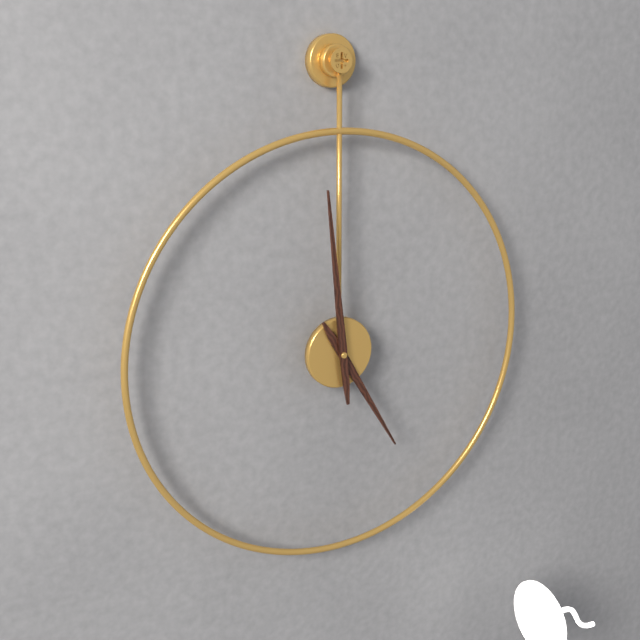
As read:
4:59
